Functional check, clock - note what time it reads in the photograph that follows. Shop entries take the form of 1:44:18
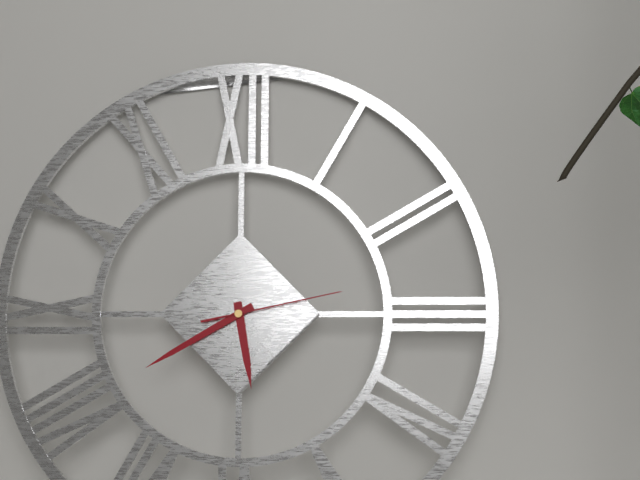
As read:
5:40:13
